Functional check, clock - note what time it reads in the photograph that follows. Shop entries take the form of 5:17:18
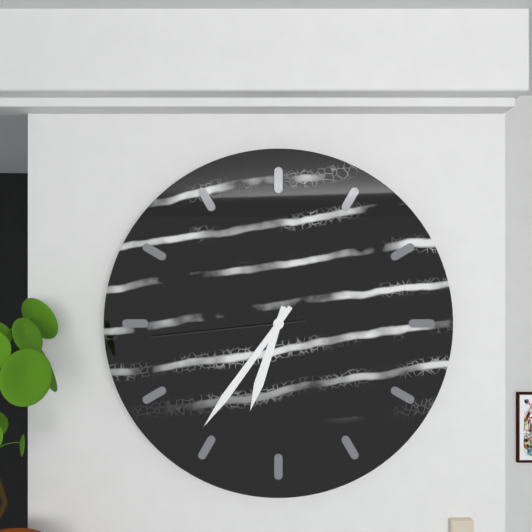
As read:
6:36:44
